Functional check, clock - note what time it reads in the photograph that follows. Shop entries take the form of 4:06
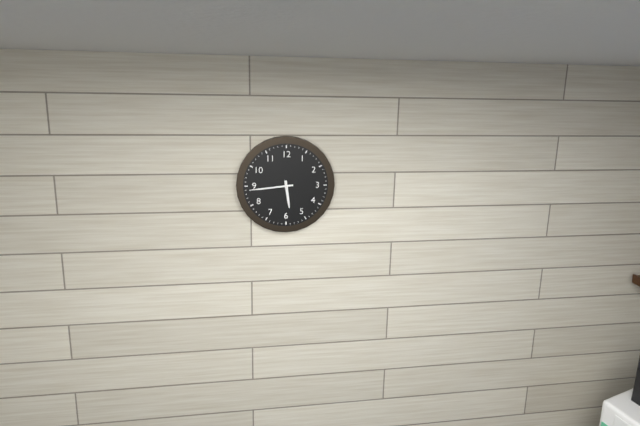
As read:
5:44
